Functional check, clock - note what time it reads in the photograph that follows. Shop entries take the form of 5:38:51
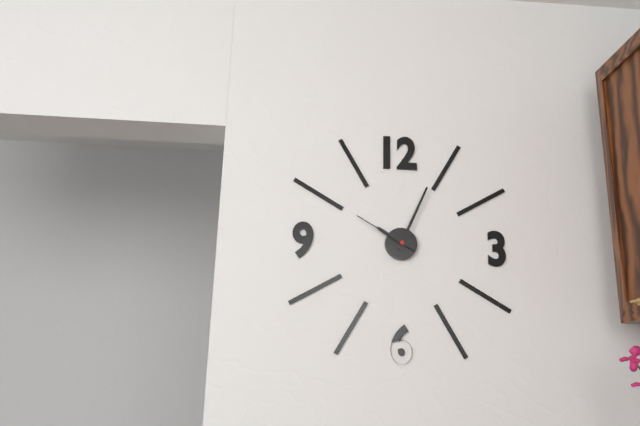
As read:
10:04:50
